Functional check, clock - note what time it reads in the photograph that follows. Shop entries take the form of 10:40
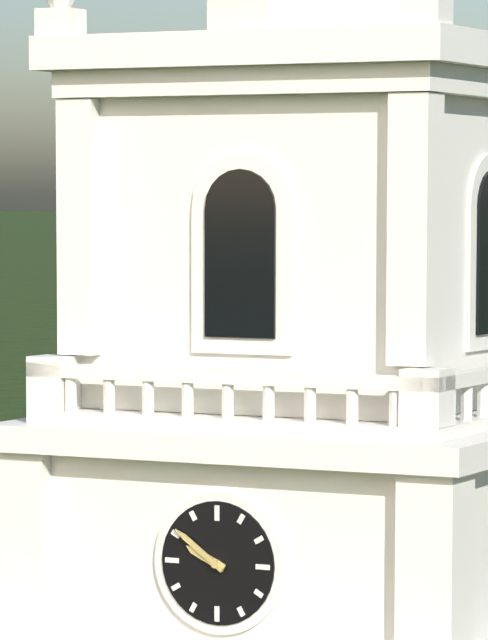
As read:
9:51
